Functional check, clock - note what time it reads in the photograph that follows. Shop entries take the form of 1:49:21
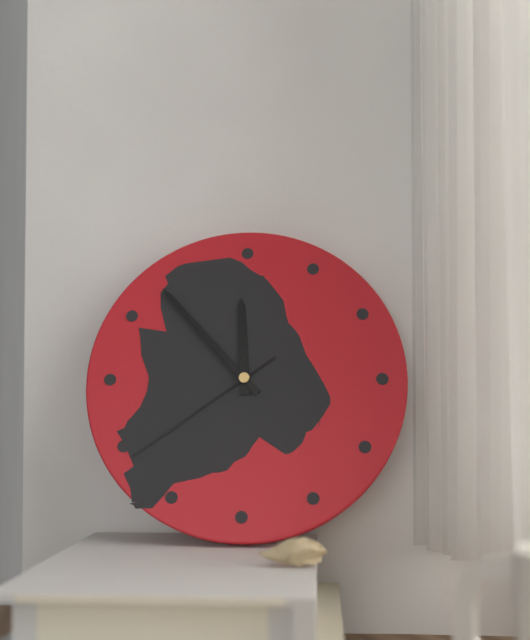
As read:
11:53:39
